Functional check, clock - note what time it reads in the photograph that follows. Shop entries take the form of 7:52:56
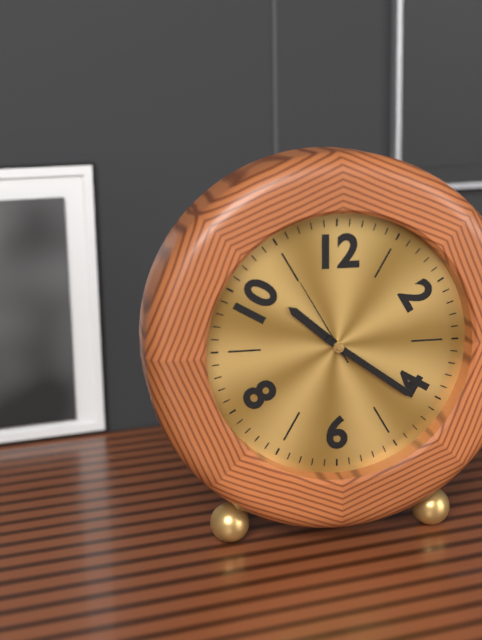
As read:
10:21:55
